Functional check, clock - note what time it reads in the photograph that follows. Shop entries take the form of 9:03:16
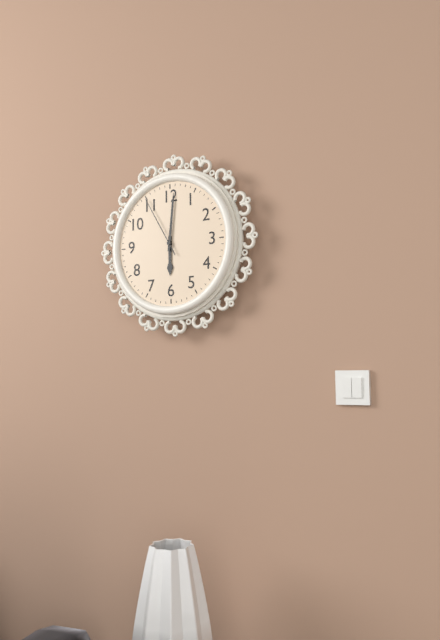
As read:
6:01:55
